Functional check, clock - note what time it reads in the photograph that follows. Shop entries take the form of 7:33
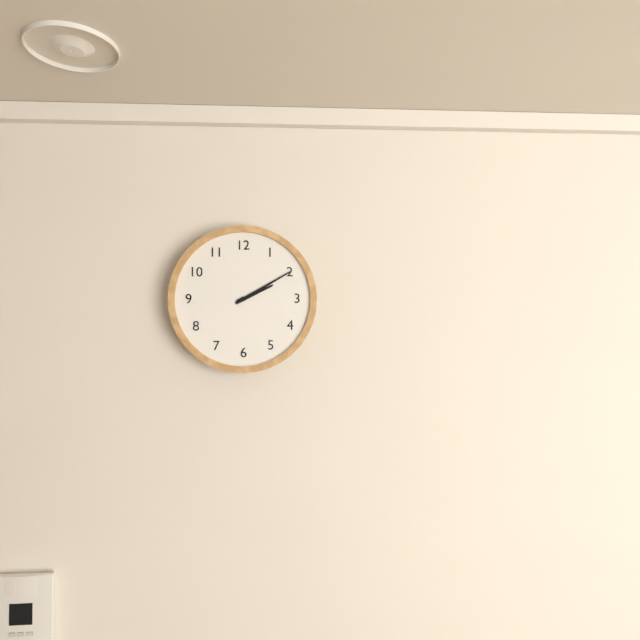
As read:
2:10
